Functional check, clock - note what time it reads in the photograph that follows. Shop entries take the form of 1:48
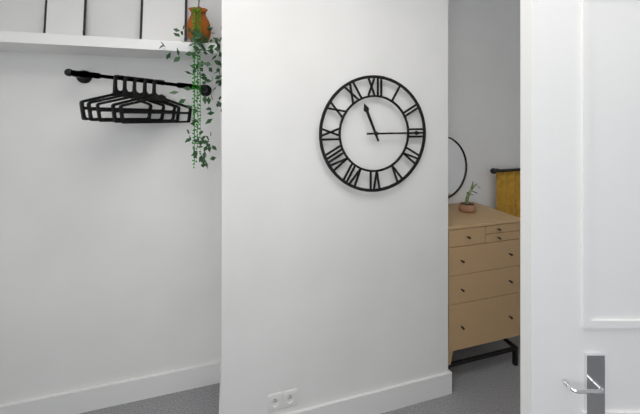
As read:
11:15
